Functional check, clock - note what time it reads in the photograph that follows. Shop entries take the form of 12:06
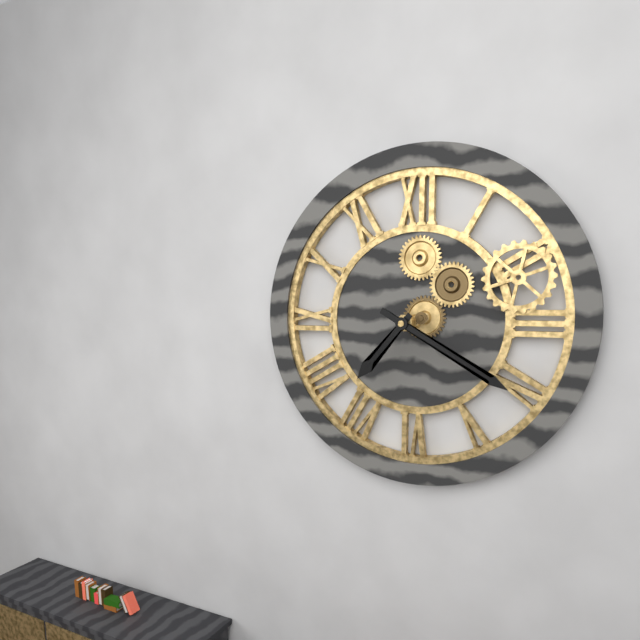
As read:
7:20
